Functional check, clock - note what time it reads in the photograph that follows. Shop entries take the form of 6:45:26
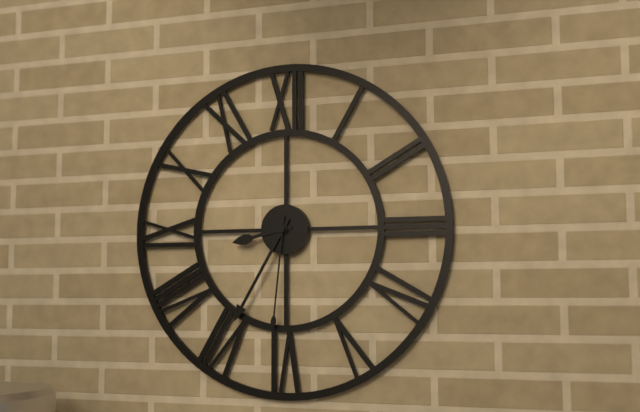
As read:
8:35:31
